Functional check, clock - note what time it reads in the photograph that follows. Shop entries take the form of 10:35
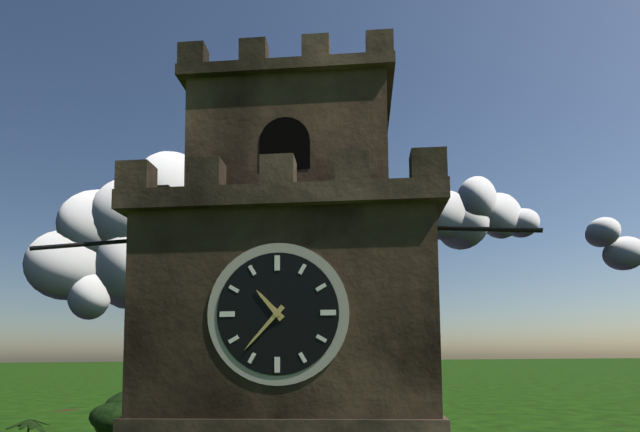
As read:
10:37
